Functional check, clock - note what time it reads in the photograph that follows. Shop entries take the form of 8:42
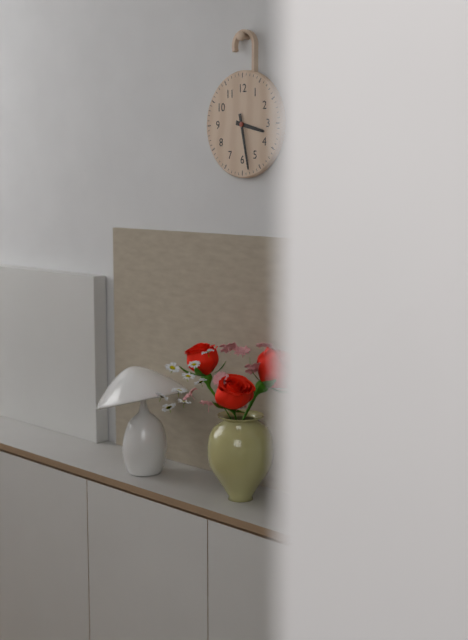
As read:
3:28
